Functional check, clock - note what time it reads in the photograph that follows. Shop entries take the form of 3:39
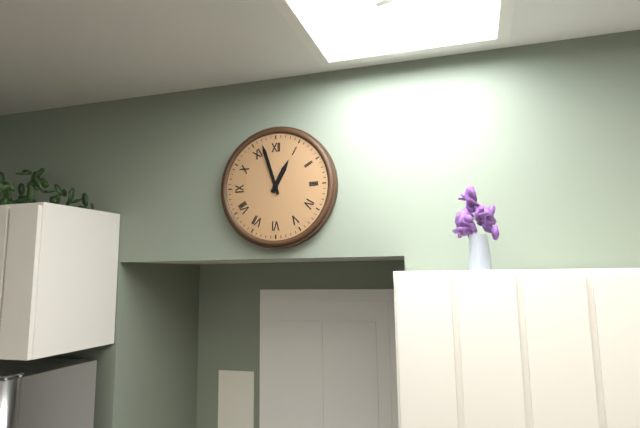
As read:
12:57
